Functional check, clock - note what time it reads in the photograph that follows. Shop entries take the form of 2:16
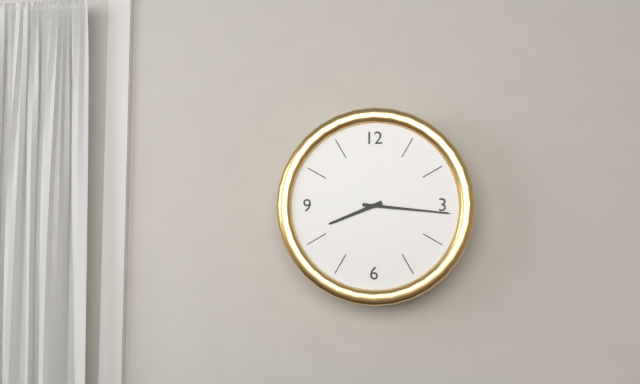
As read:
8:16
